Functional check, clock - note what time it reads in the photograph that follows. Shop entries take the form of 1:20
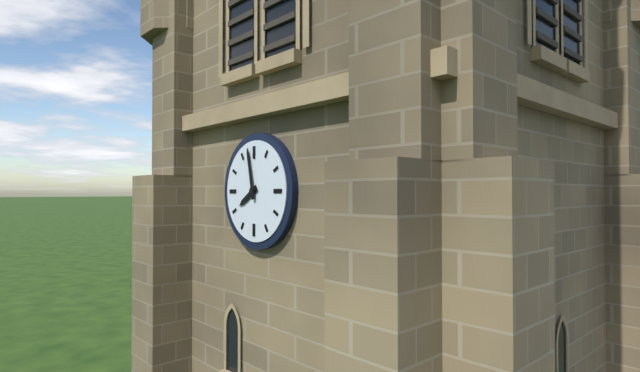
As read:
7:58
